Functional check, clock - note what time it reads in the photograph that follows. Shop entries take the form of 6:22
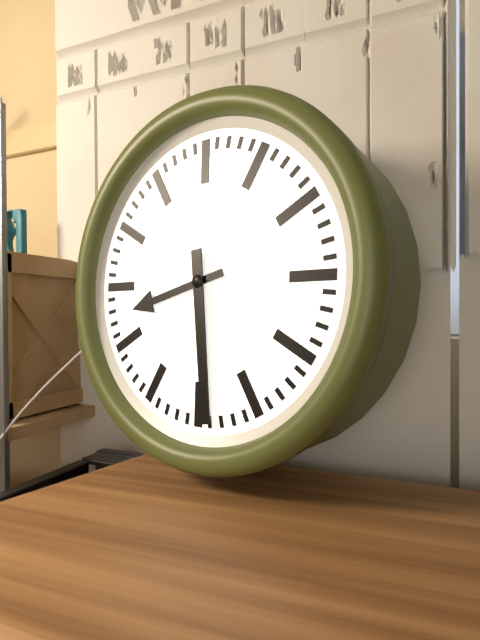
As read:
8:29
